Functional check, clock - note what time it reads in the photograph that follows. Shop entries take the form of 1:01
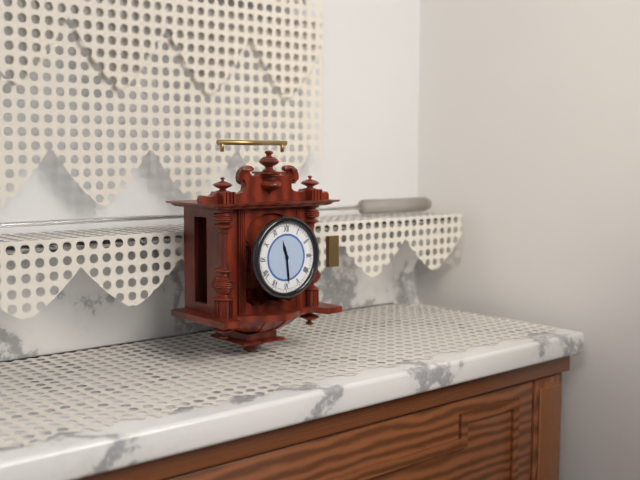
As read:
11:29
